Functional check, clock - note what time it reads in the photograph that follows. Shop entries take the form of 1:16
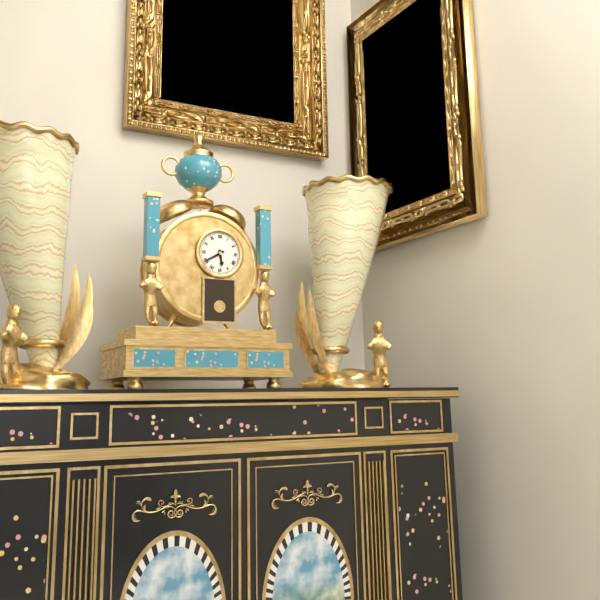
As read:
5:40
